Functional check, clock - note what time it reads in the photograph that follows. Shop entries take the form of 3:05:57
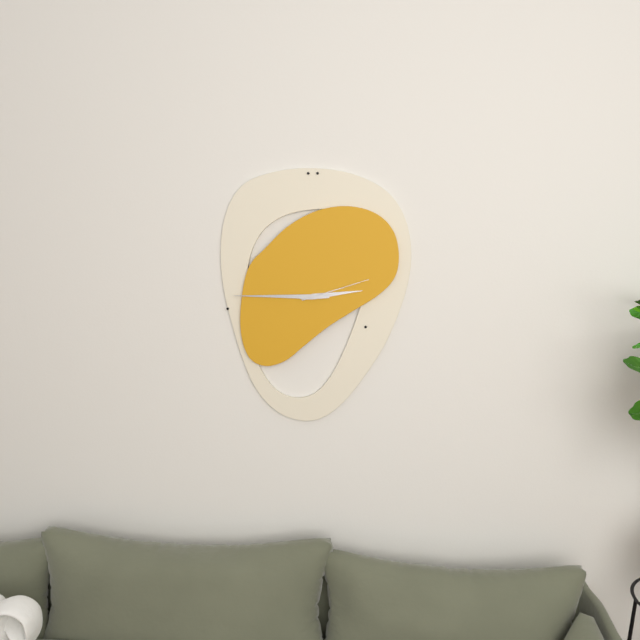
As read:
2:45:12
